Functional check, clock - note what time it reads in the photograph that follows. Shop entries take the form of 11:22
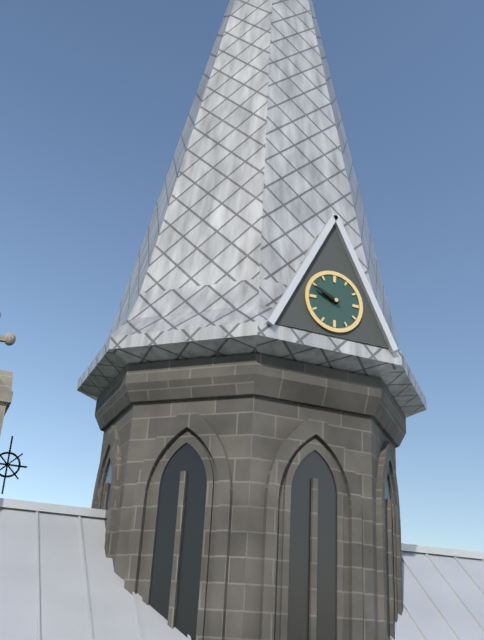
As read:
9:49
